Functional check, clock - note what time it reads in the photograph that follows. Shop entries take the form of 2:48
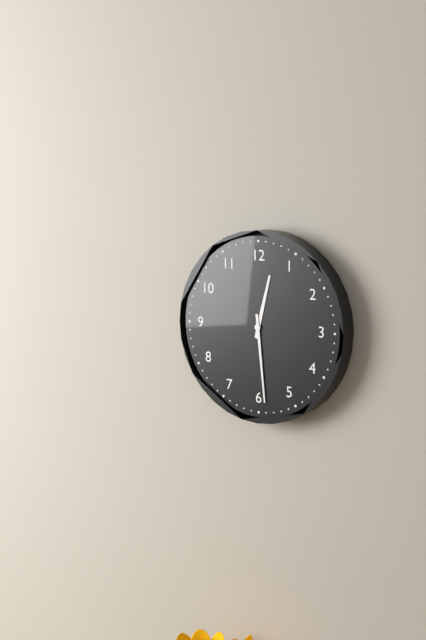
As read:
12:29
